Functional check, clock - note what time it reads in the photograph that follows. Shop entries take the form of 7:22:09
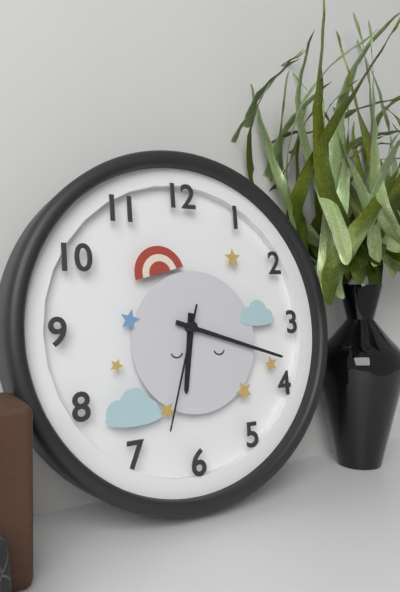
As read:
6:18:33
